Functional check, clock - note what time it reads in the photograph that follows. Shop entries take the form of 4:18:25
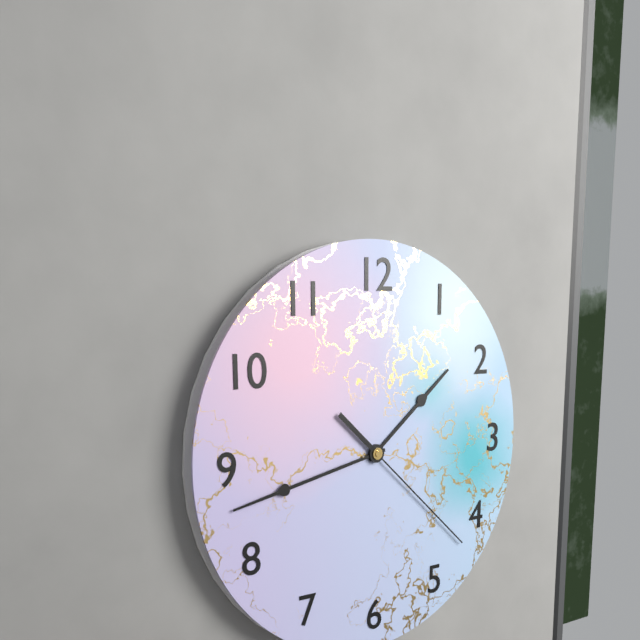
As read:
1:43:22
